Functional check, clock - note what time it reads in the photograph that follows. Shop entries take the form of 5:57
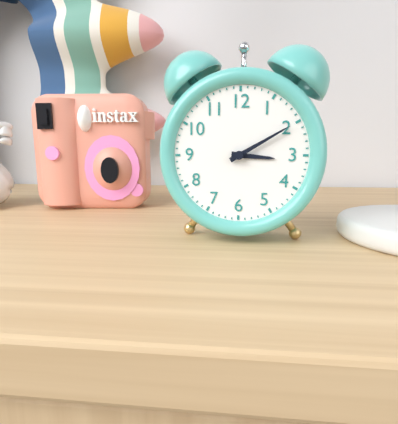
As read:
3:10
